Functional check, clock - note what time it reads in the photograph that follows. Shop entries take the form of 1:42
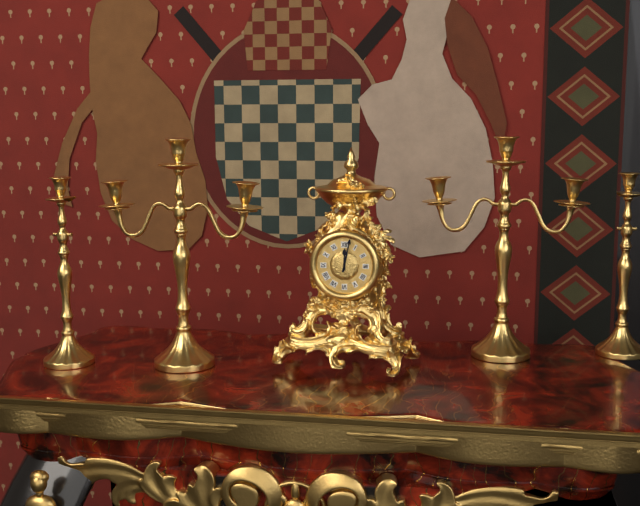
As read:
12:02
